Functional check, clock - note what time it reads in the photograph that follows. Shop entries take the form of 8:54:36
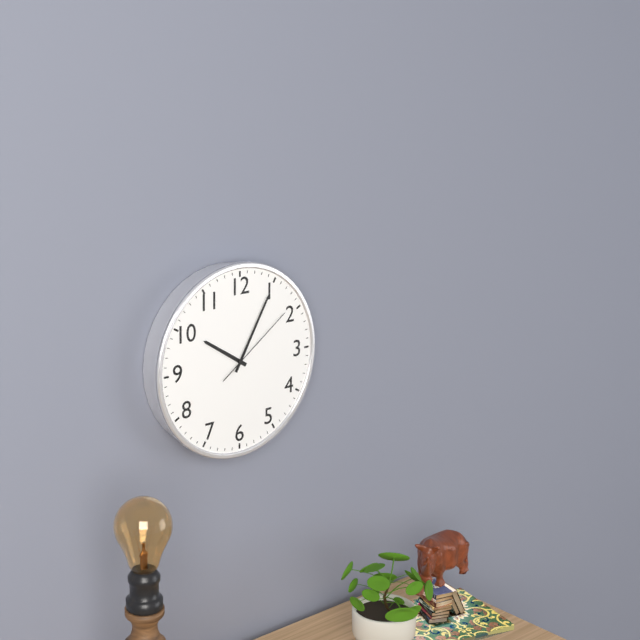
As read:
10:05:09
